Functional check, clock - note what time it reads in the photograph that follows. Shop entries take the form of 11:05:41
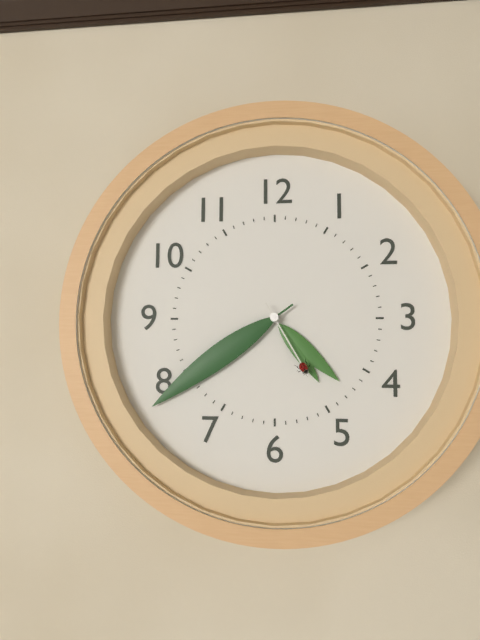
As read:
4:39:25
